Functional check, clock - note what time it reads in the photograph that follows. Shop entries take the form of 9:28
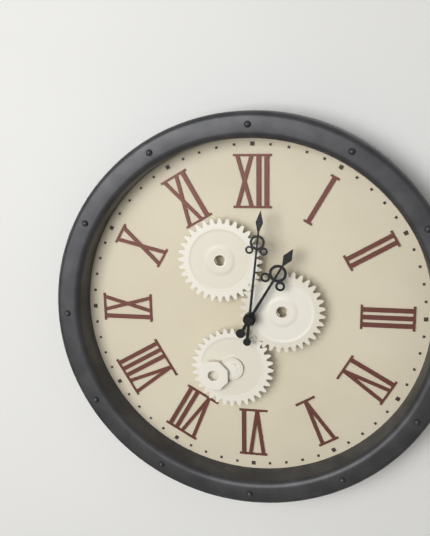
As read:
1:01
